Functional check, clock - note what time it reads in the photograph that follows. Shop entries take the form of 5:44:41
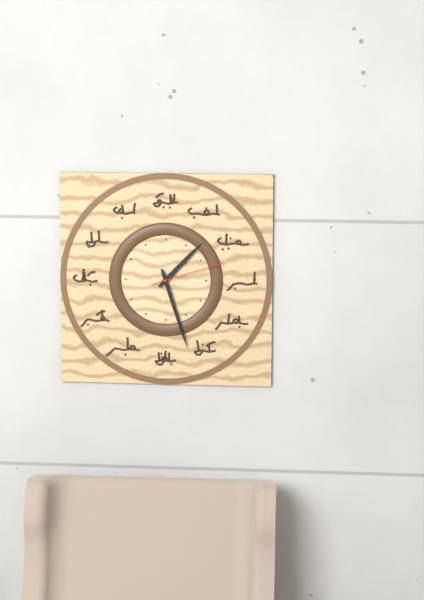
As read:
1:27:12
